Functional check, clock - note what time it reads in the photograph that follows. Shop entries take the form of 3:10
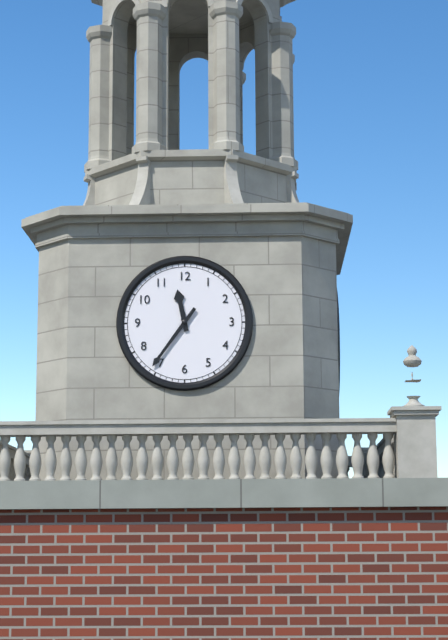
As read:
11:36
